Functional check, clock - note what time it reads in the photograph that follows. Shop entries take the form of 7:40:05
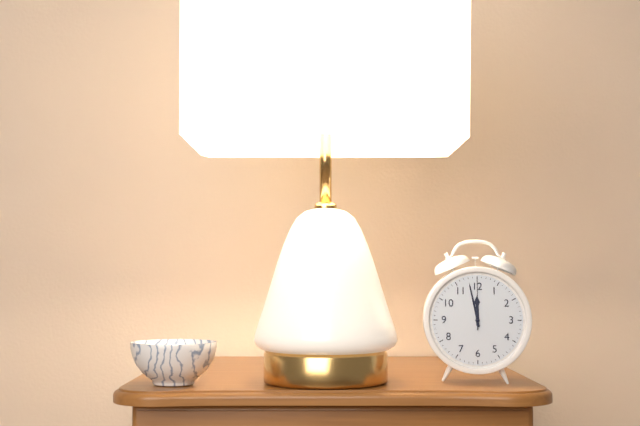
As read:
11:58:00
